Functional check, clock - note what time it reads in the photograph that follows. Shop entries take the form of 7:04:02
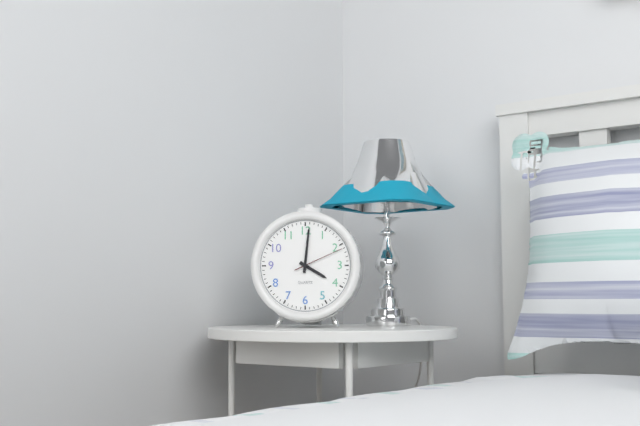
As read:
4:01:11
